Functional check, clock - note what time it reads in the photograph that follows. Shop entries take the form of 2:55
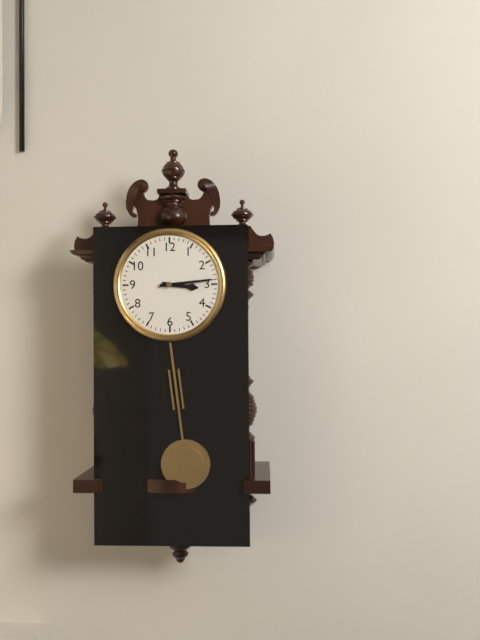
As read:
3:14
